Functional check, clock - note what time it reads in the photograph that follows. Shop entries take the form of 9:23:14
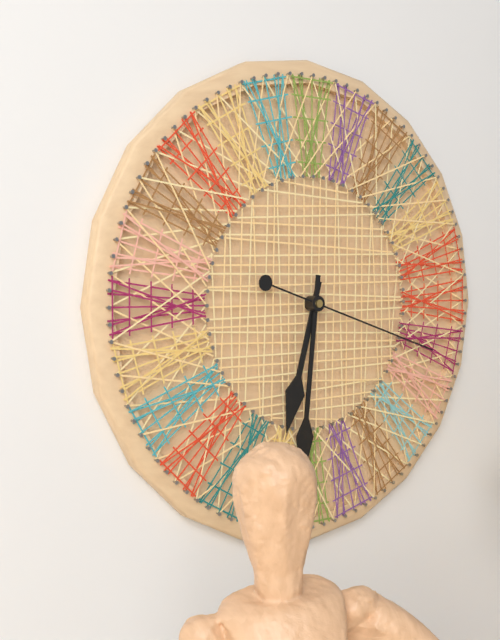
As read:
6:31:18
